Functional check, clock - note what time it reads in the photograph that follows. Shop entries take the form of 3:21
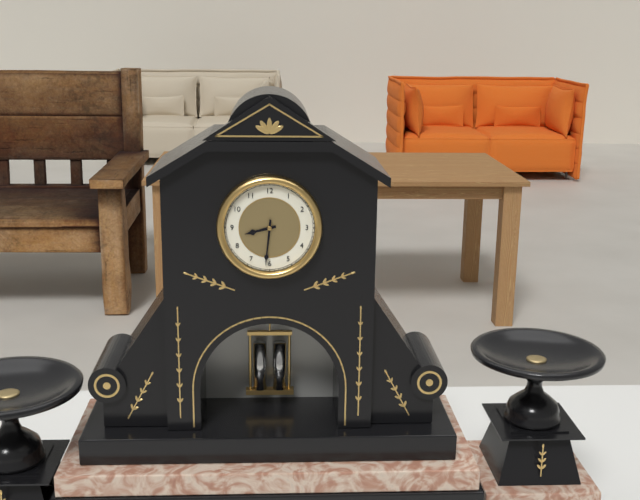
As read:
8:31
